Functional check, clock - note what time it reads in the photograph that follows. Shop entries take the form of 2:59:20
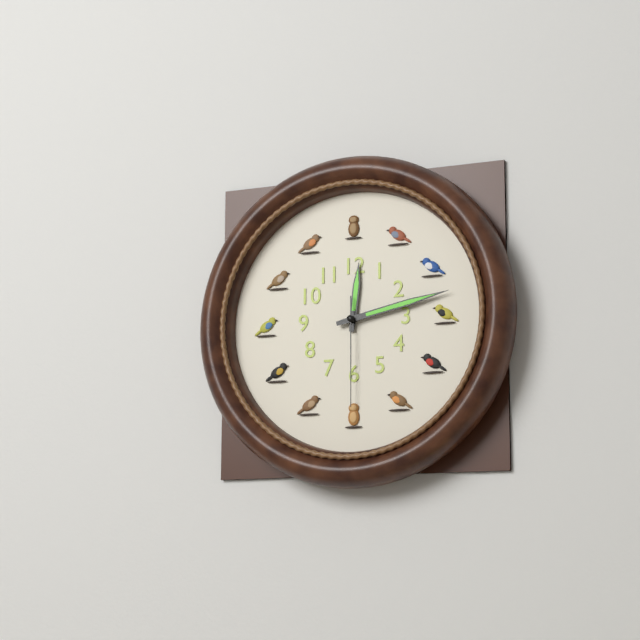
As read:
12:13:30
